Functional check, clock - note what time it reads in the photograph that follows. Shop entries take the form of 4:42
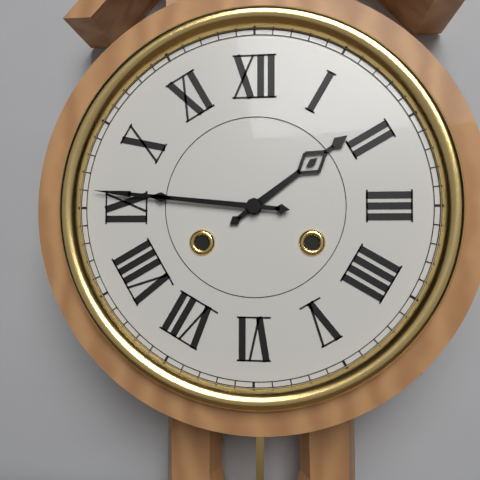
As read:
1:46
